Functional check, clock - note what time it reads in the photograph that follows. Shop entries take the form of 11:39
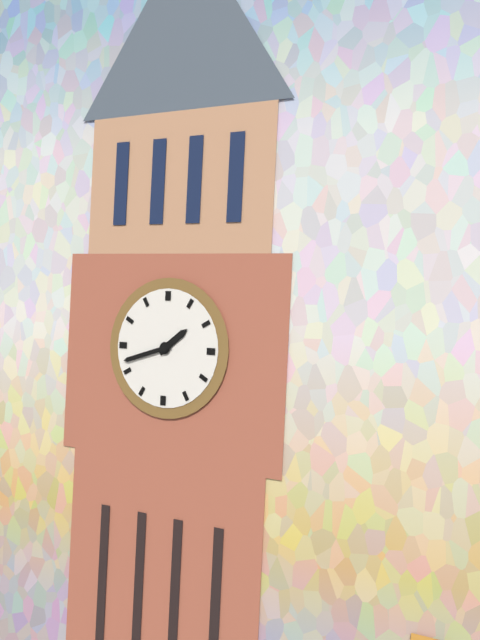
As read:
1:42
